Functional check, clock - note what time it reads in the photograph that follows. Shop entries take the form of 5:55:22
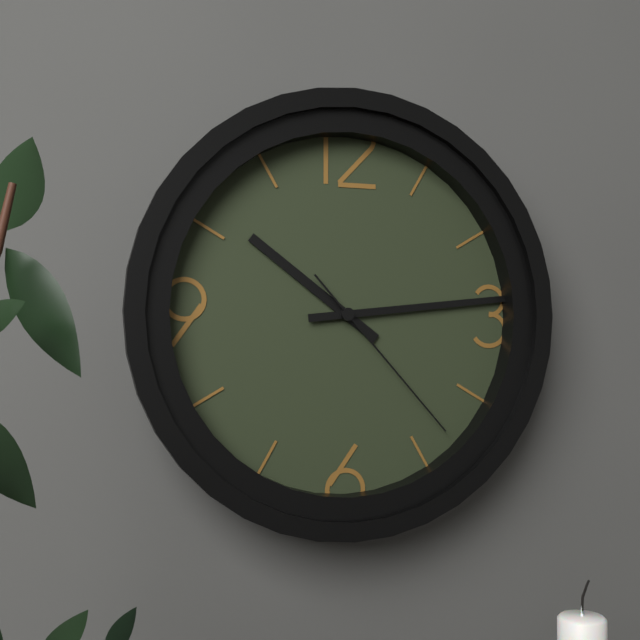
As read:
10:14:23
